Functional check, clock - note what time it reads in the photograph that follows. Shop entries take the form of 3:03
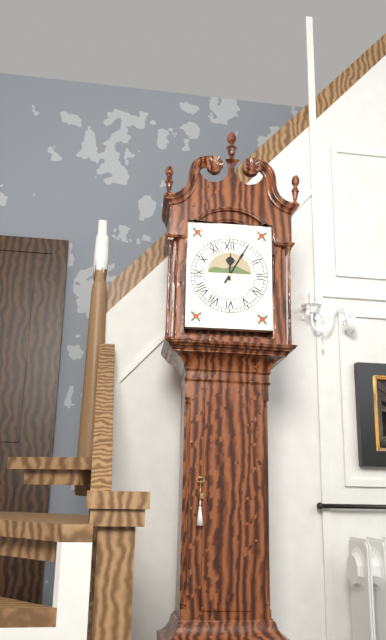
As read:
12:05
